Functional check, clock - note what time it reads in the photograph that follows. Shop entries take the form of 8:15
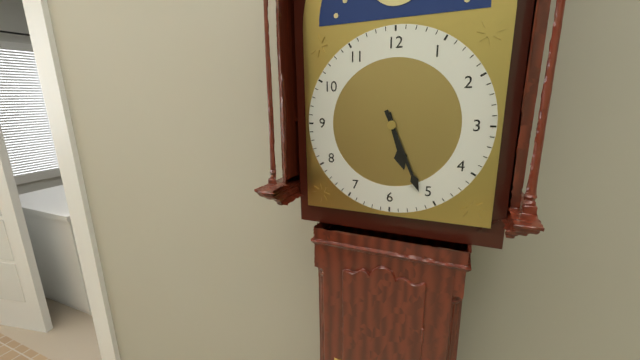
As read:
5:26
